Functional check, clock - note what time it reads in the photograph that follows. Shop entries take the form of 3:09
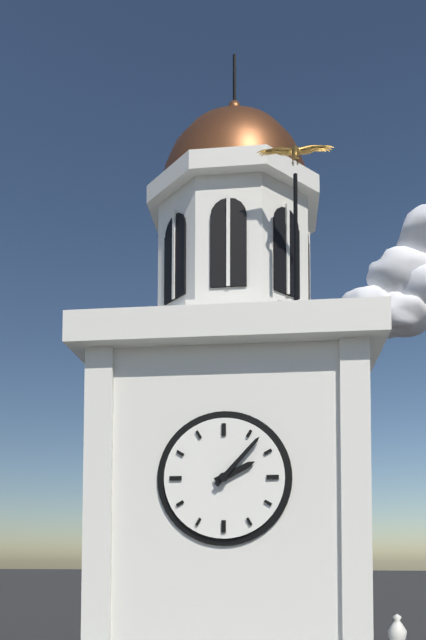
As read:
2:07
